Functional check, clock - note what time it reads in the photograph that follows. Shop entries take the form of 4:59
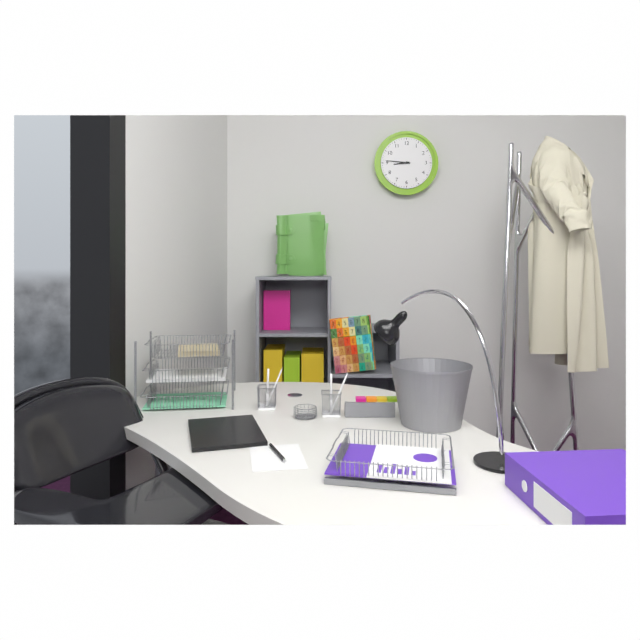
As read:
8:46
